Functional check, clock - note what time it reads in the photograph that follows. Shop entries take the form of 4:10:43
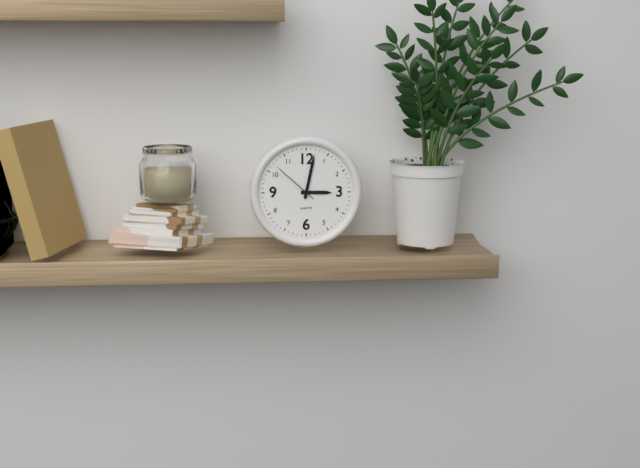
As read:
3:02:52
